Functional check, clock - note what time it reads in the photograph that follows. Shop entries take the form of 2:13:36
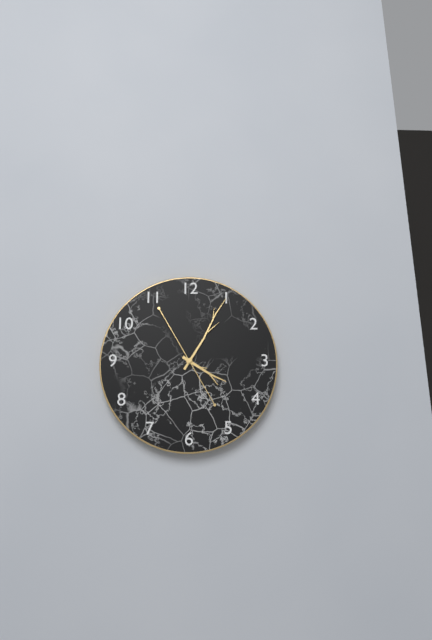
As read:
4:05:55
